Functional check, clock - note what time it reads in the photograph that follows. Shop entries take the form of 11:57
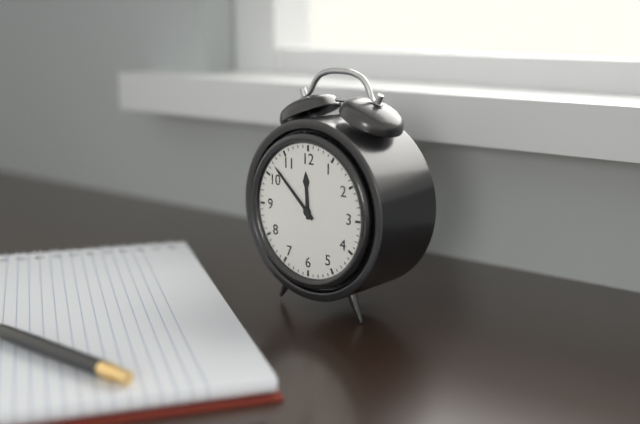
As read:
11:52
